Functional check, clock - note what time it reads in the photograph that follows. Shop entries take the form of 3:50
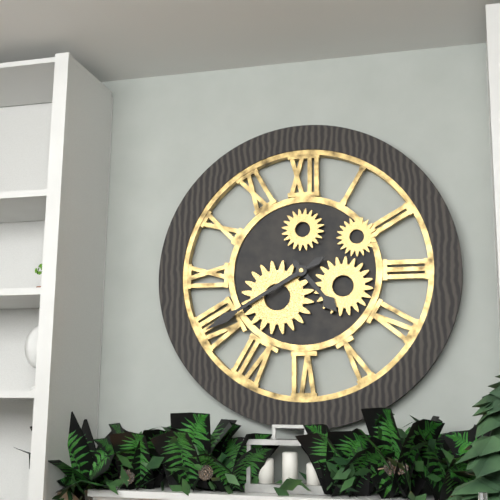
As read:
4:40
